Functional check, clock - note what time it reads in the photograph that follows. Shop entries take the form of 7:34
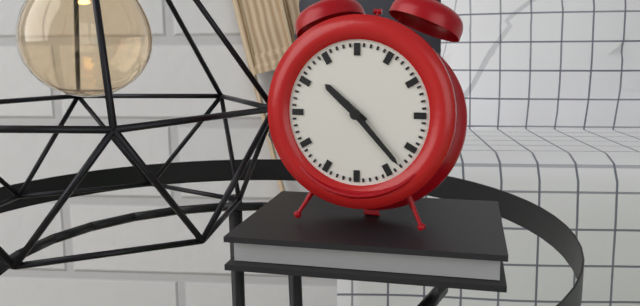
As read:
10:23
